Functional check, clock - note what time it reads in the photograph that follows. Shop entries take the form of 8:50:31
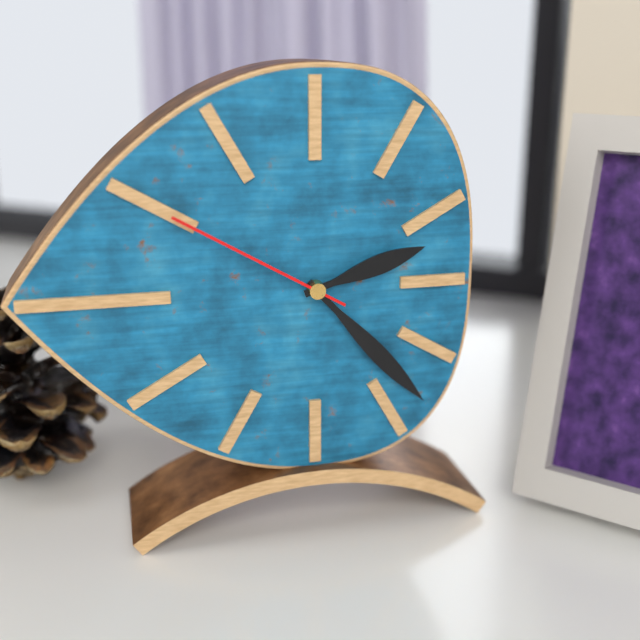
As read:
2:23:50
